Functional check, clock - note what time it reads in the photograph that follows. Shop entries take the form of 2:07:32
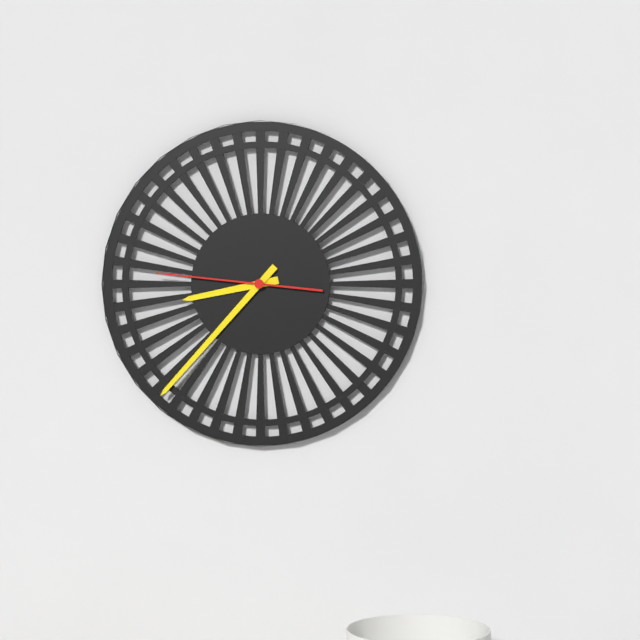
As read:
8:37:46
